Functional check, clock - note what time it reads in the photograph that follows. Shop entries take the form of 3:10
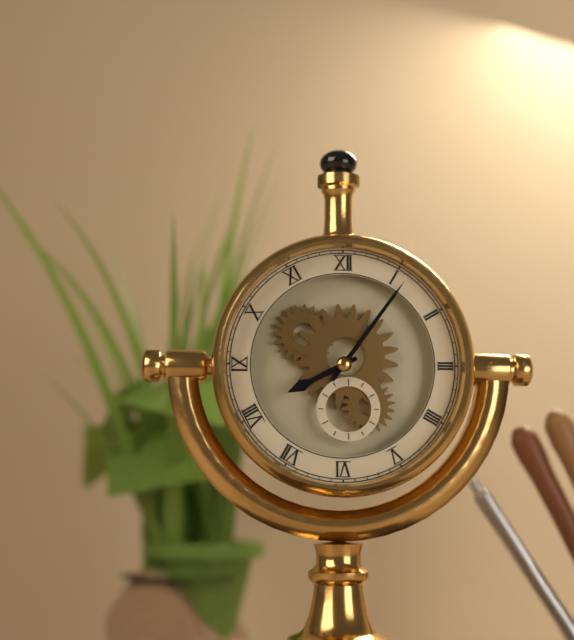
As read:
8:06
